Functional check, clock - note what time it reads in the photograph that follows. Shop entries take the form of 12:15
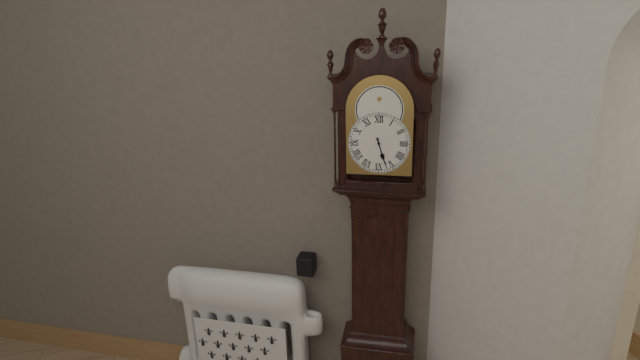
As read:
5:27
